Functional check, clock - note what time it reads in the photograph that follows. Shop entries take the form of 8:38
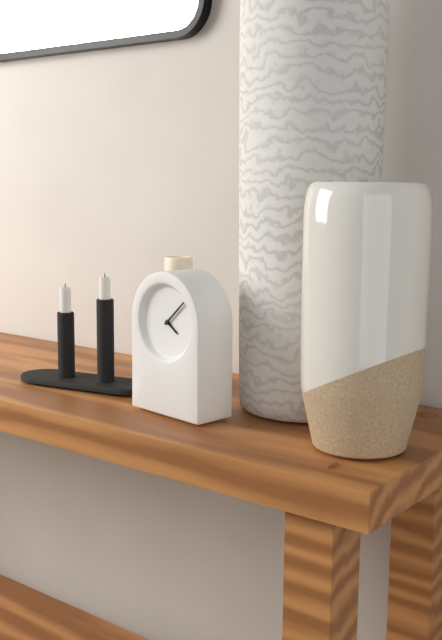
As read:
4:08
